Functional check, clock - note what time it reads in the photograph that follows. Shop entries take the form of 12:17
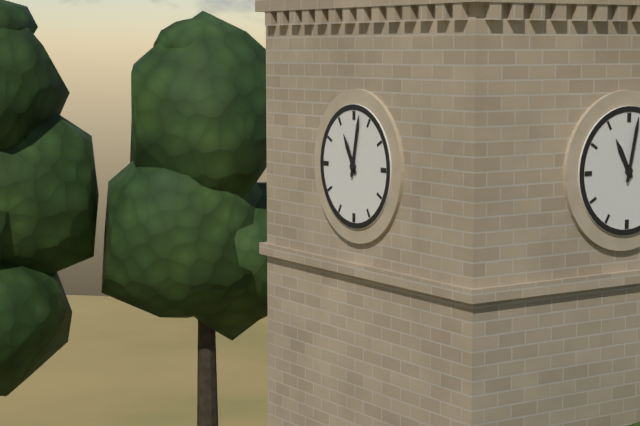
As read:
11:02
